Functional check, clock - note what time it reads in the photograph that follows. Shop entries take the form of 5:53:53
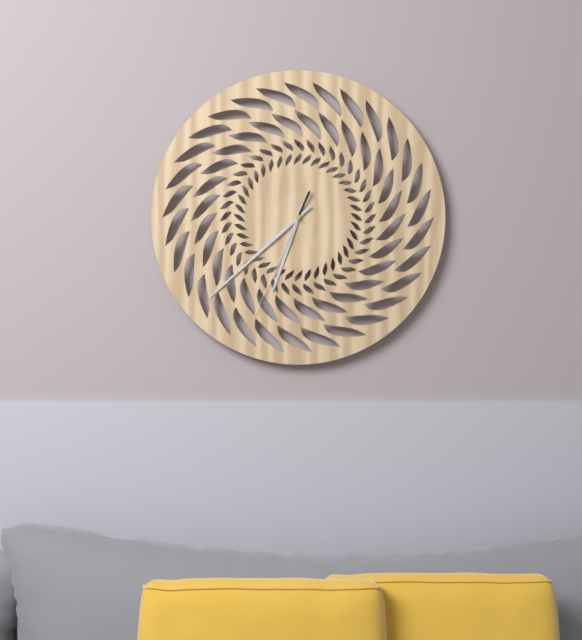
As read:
6:38:34
